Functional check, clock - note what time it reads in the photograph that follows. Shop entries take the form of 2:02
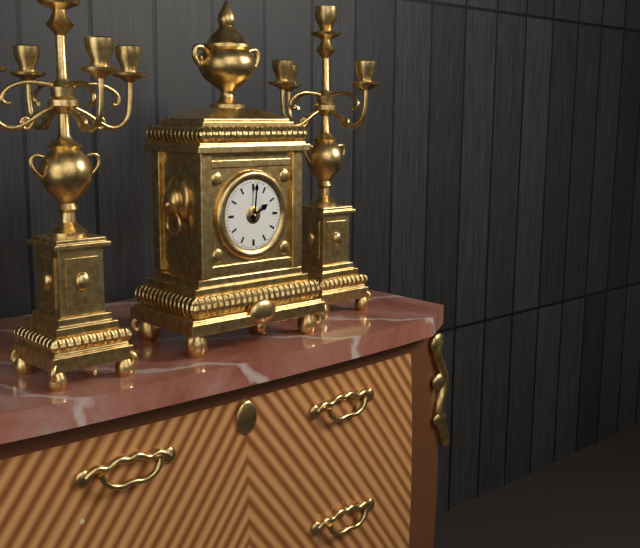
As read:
2:01
